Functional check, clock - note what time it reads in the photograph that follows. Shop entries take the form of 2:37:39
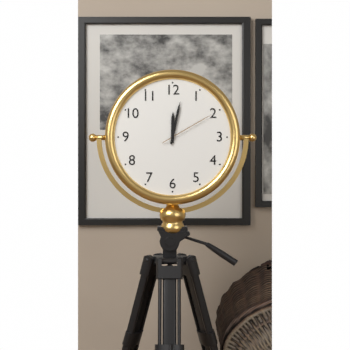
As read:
12:02:10
